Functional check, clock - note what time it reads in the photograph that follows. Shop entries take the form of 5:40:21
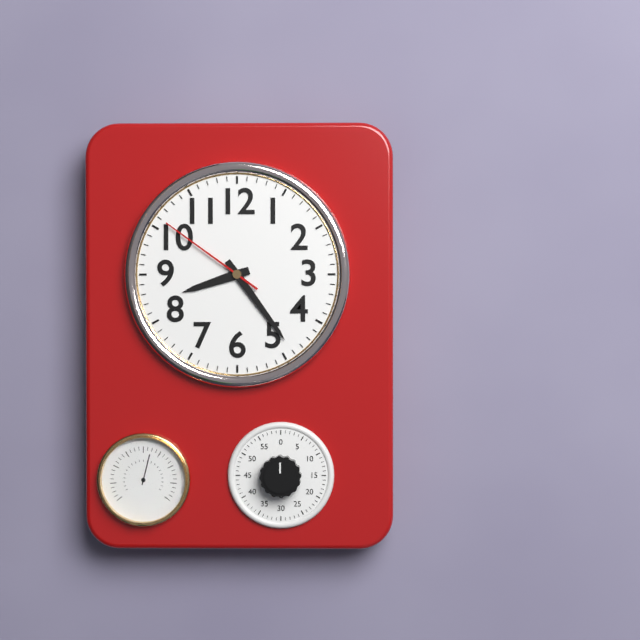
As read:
8:24:51
